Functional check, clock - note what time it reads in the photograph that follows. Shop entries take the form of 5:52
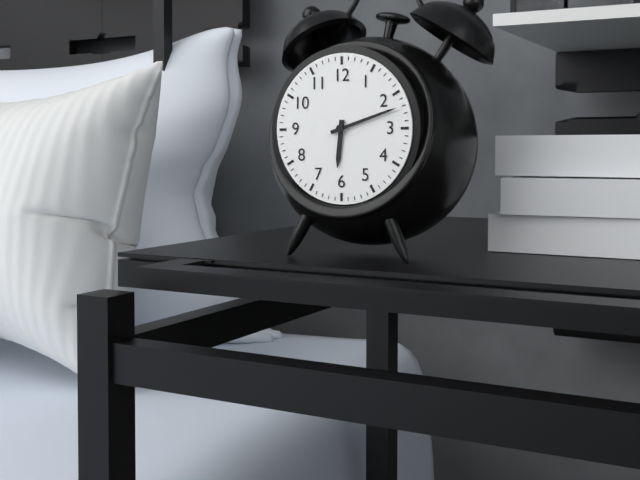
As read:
6:12
